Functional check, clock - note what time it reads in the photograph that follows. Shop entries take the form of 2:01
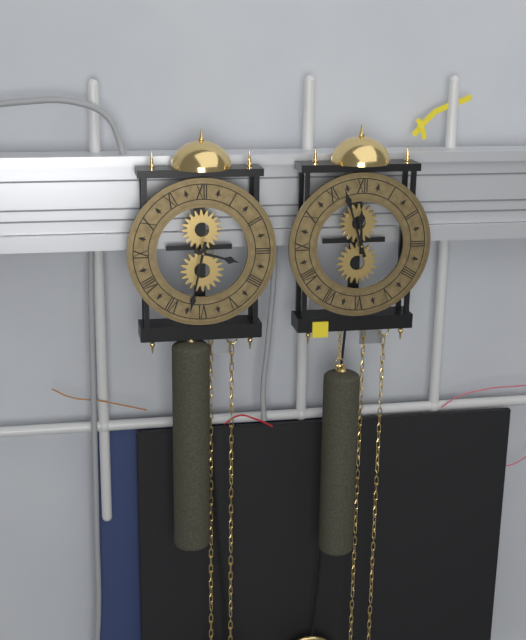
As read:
3:32
